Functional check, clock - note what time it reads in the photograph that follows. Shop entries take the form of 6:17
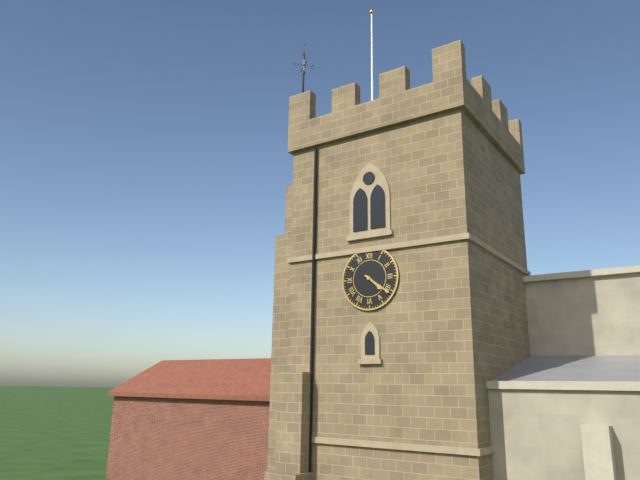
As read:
4:21
